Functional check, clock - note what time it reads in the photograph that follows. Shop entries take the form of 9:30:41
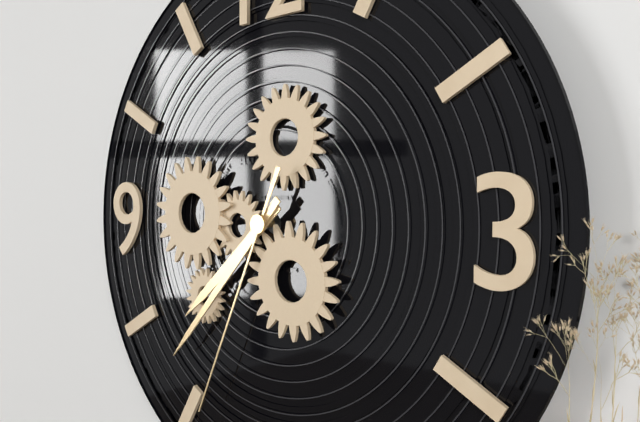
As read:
7:37:34
